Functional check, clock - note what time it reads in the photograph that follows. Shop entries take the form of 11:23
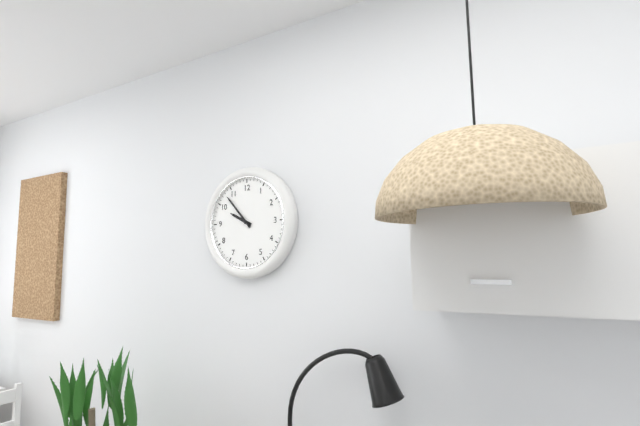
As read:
9:53
